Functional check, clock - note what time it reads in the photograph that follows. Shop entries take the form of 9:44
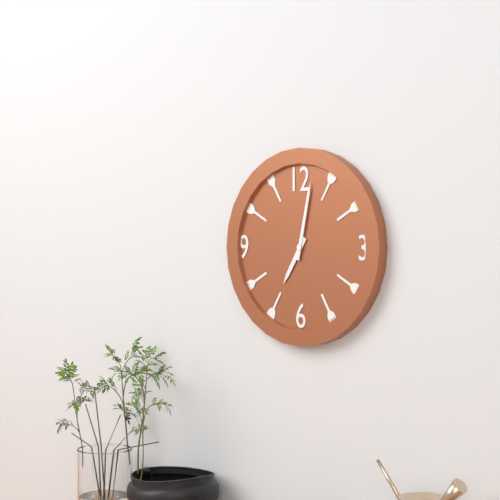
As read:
7:02
